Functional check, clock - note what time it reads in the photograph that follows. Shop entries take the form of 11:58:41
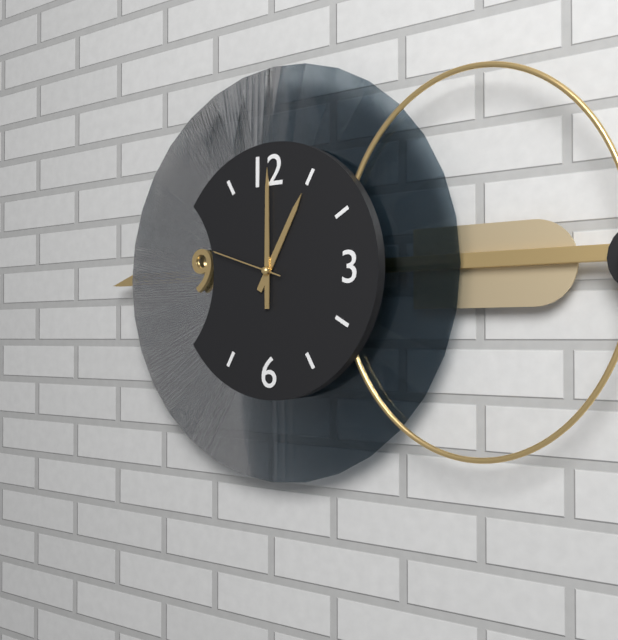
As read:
1:00:48
